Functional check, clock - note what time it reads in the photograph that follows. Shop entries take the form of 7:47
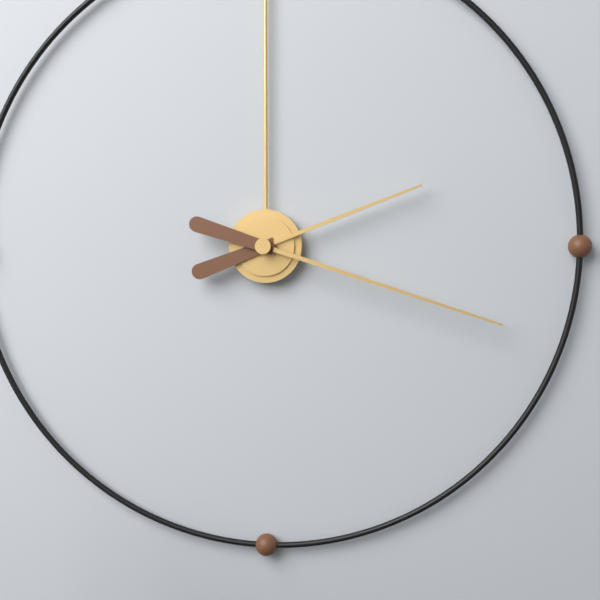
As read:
2:18
